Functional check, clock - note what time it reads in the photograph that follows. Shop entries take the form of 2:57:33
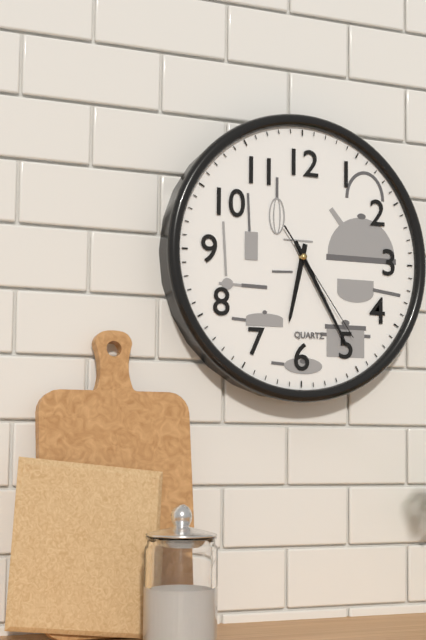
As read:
6:25:24
